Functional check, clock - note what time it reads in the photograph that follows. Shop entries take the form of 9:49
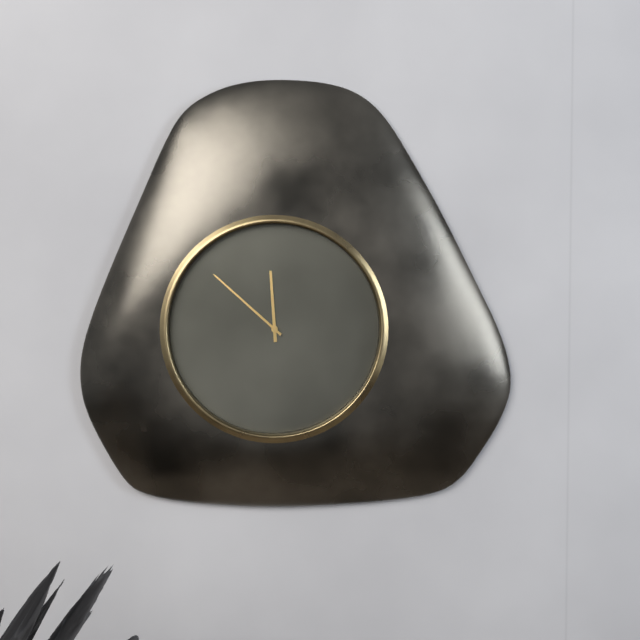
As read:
11:52
